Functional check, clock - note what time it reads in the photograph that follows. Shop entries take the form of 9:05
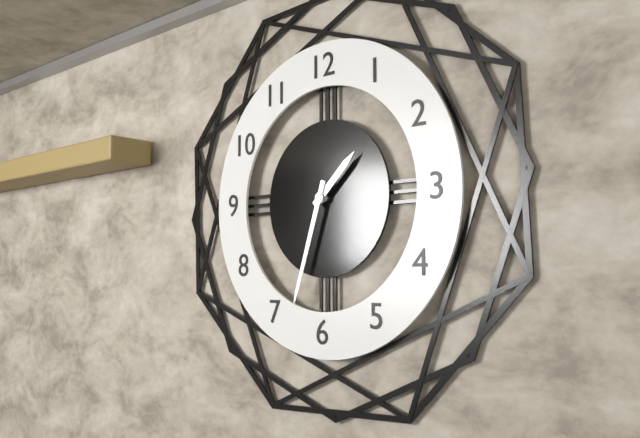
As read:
1:33
